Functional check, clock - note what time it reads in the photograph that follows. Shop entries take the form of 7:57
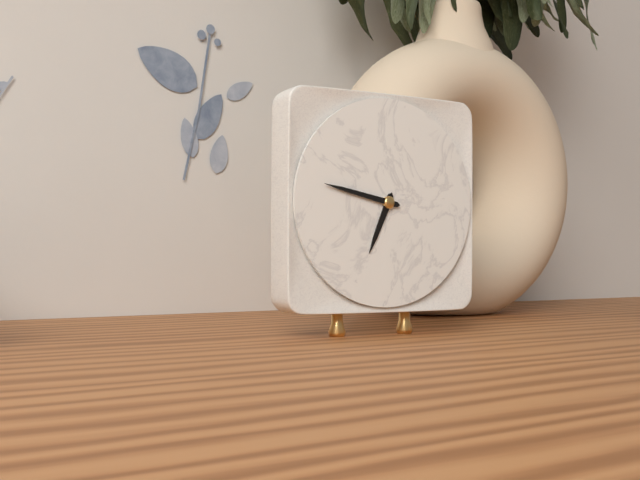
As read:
6:47
